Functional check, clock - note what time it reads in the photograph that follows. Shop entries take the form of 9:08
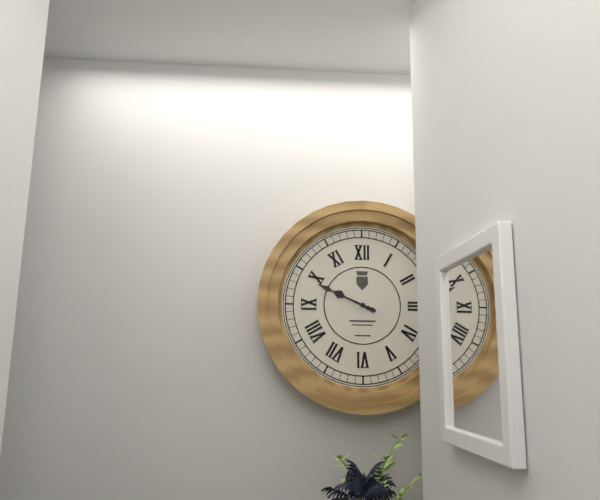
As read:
9:49
